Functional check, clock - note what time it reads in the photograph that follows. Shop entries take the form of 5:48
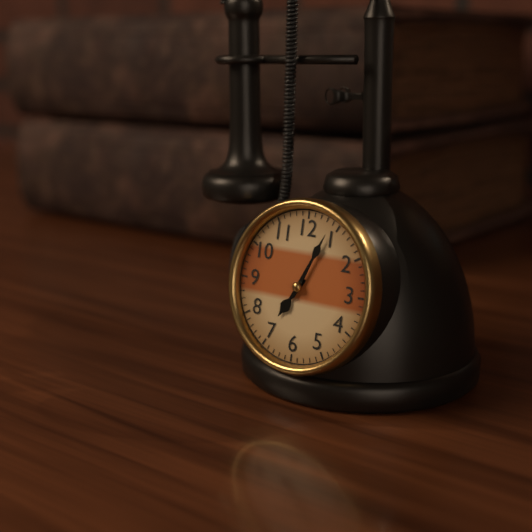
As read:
7:04
